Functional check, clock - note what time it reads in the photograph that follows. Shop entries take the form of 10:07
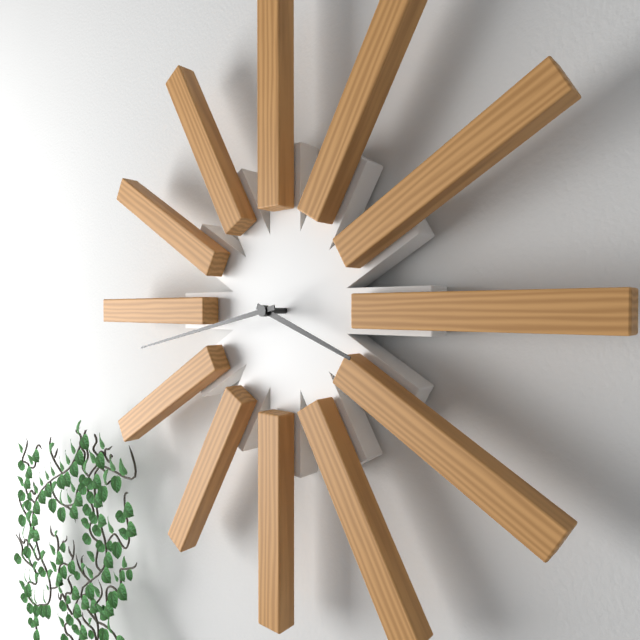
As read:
3:43
